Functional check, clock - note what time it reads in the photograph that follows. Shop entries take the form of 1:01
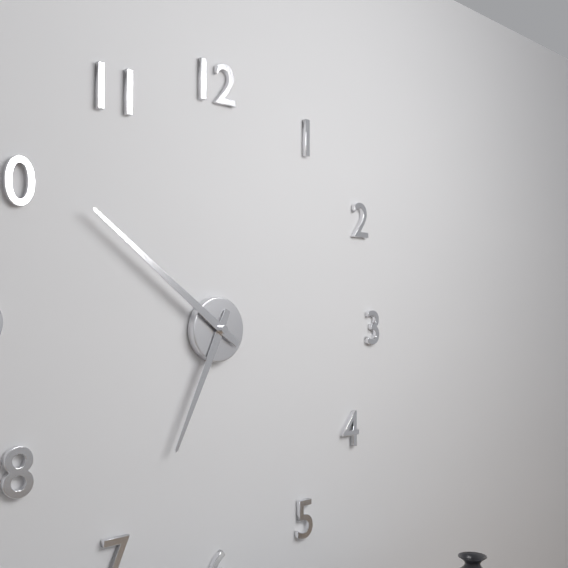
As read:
6:51
